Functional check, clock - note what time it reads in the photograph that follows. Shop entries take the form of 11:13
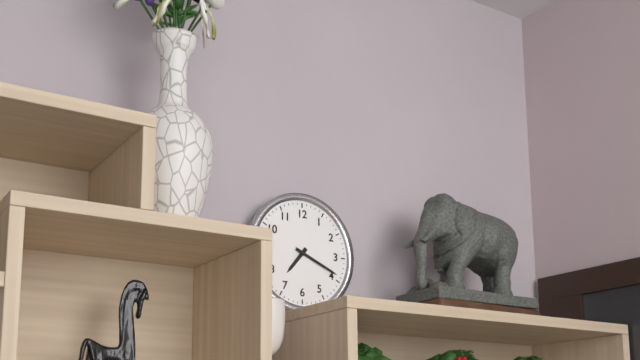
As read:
7:19
